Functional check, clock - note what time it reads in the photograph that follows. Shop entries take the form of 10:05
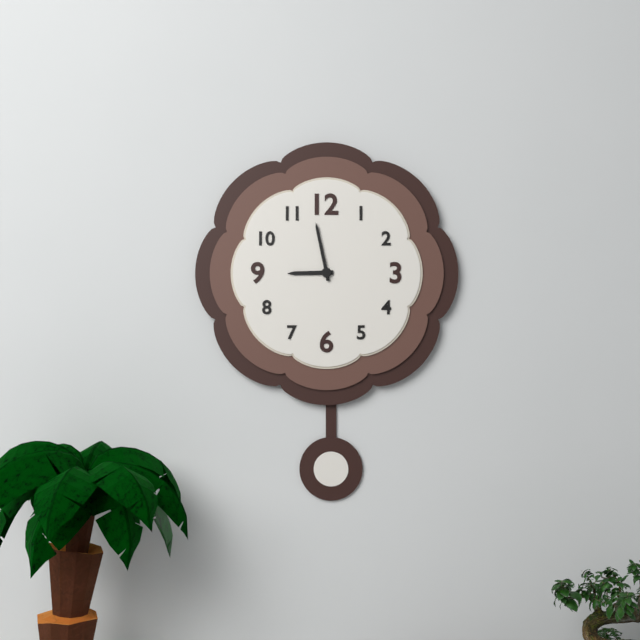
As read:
8:58
